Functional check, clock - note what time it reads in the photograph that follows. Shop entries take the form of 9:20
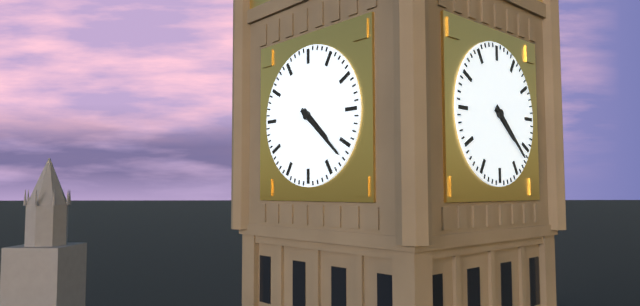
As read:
4:22
